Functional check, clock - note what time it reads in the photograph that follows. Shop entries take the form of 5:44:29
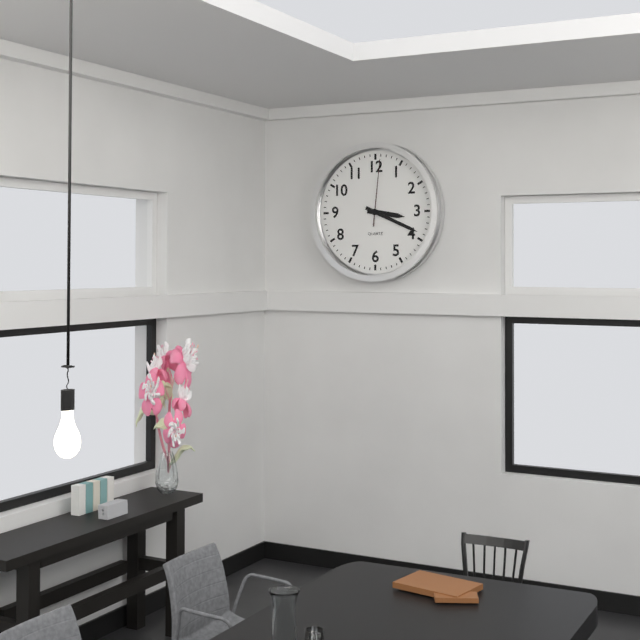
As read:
3:19:01
